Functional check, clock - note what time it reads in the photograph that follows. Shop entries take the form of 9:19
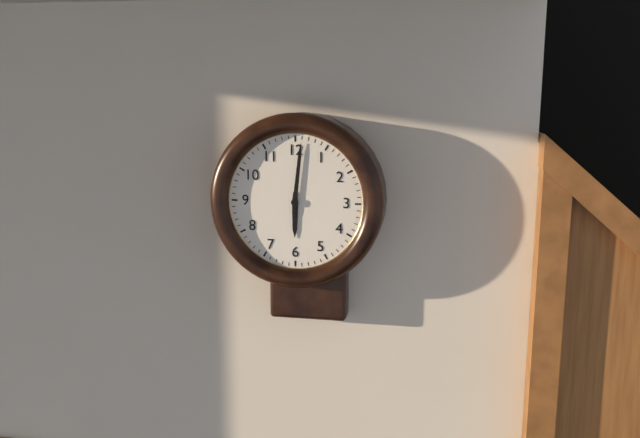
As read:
6:01
